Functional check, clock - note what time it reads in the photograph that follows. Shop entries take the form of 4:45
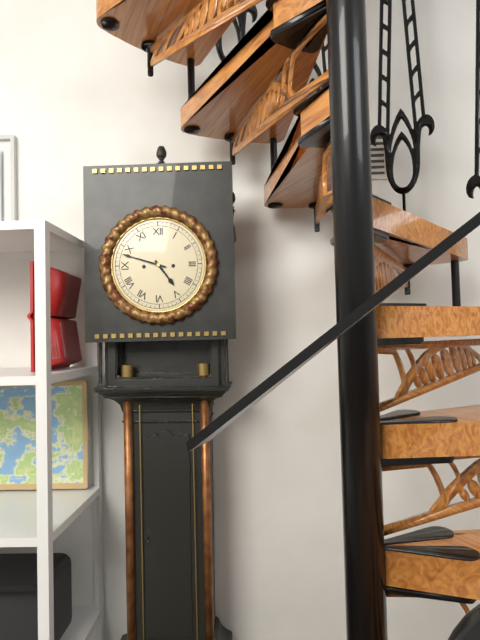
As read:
4:48
